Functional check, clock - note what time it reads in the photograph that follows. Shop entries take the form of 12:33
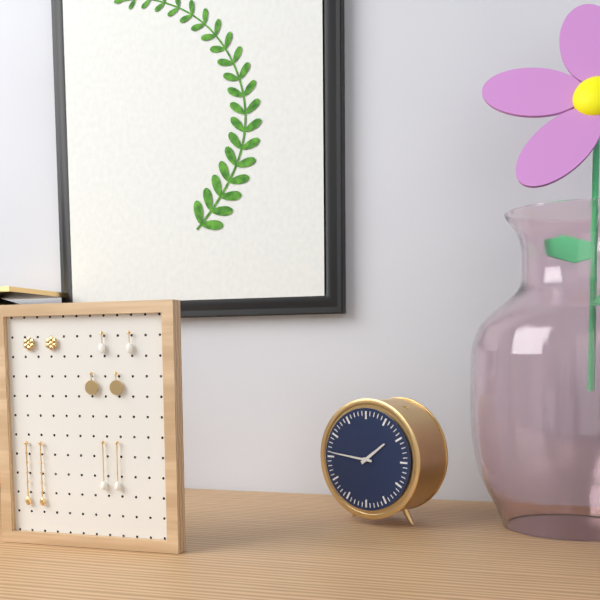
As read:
1:46
